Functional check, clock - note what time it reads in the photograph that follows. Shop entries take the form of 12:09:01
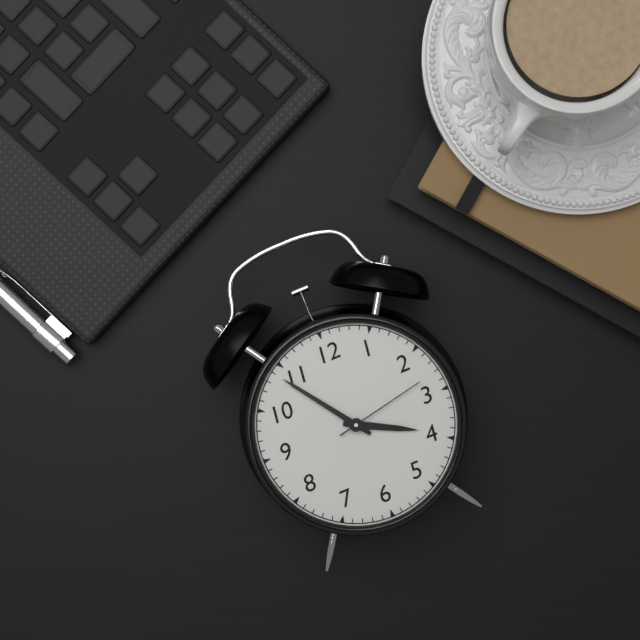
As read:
3:54:13
